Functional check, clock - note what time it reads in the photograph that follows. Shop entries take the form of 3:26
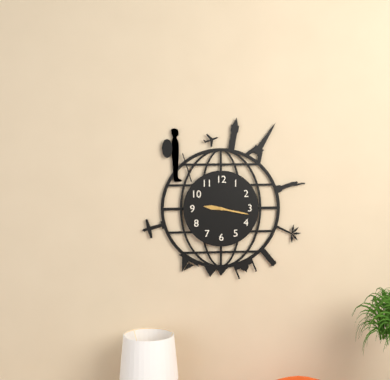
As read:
9:17
